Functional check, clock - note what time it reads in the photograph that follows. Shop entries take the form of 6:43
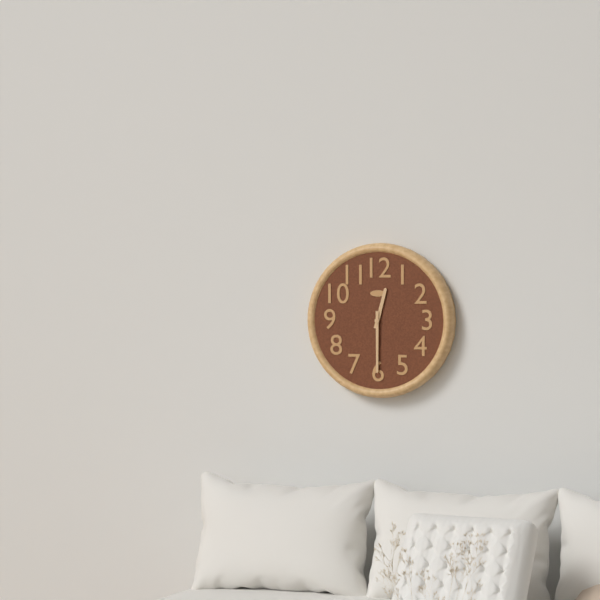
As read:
12:30
